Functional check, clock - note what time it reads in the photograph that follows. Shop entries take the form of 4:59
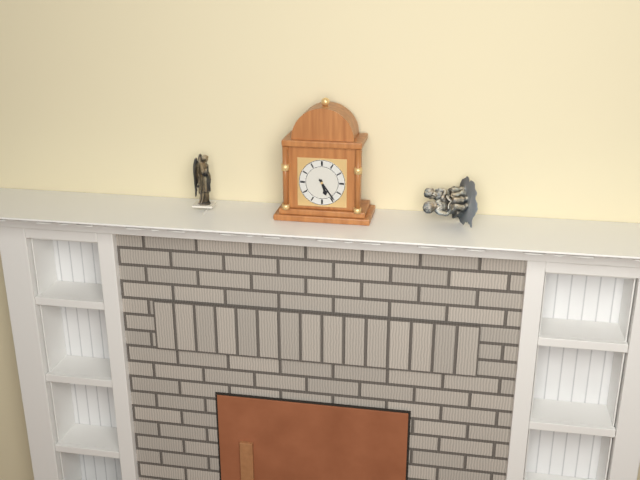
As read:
5:24
